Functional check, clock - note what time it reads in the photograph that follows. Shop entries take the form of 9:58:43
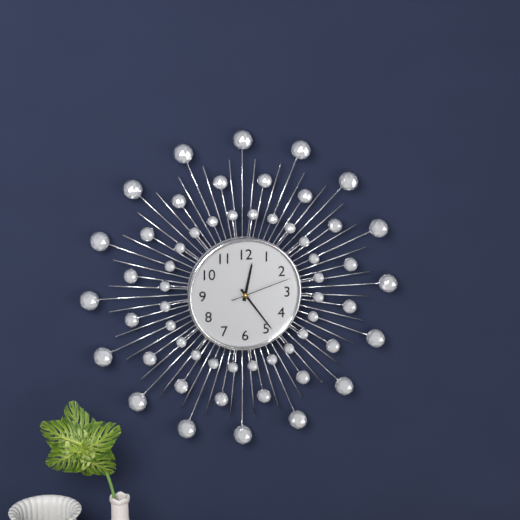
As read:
12:24:12
